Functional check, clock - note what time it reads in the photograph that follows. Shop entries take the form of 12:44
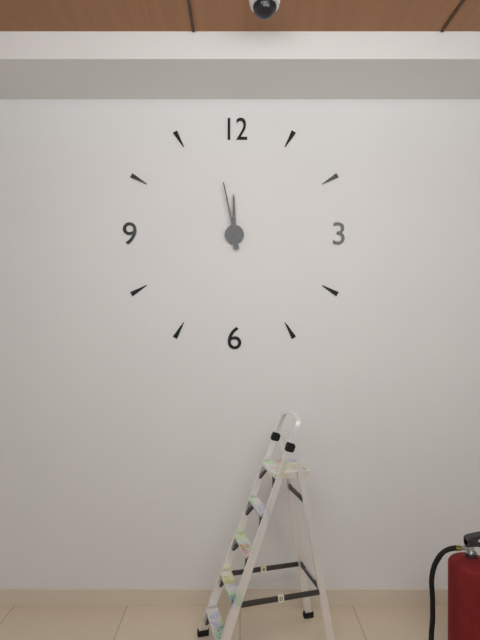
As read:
11:58
